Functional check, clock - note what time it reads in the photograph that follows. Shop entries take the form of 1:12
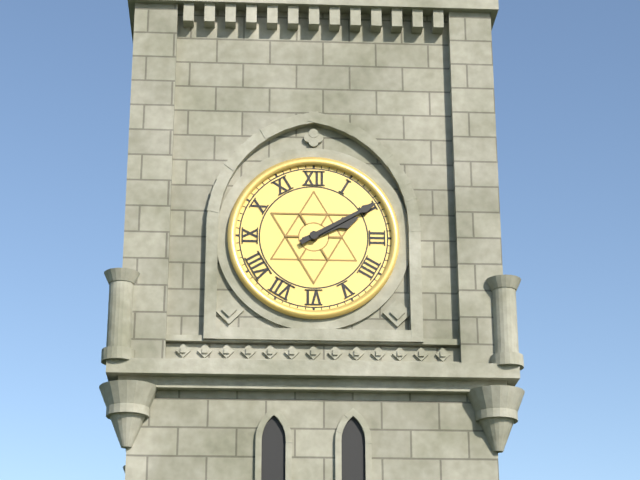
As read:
2:10
